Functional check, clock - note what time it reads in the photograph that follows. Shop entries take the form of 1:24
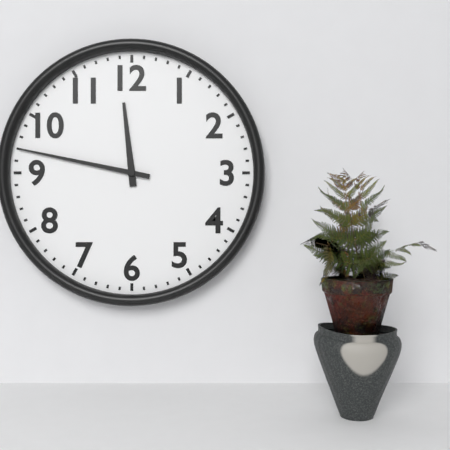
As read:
11:47
